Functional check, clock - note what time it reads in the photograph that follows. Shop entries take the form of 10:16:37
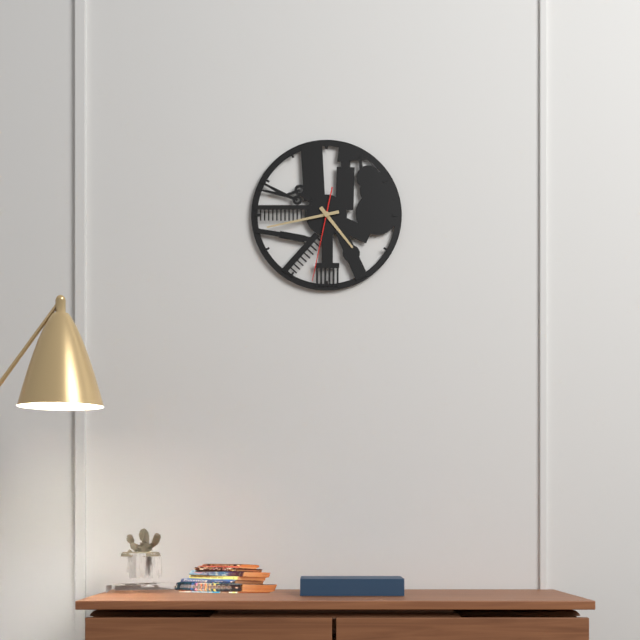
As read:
4:43:32
